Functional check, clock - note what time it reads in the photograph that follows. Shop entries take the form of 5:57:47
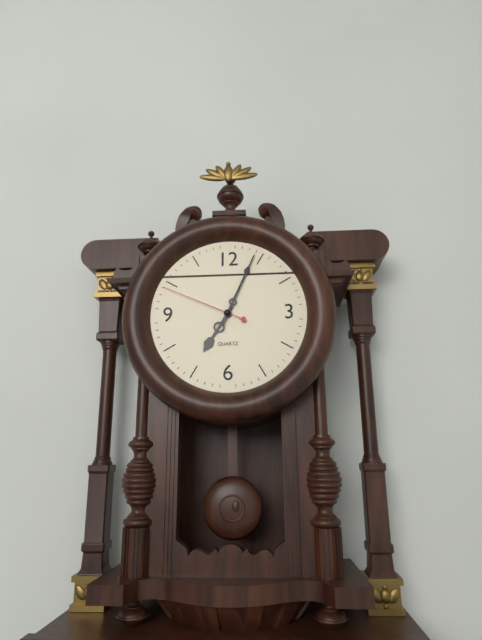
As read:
7:04:49
